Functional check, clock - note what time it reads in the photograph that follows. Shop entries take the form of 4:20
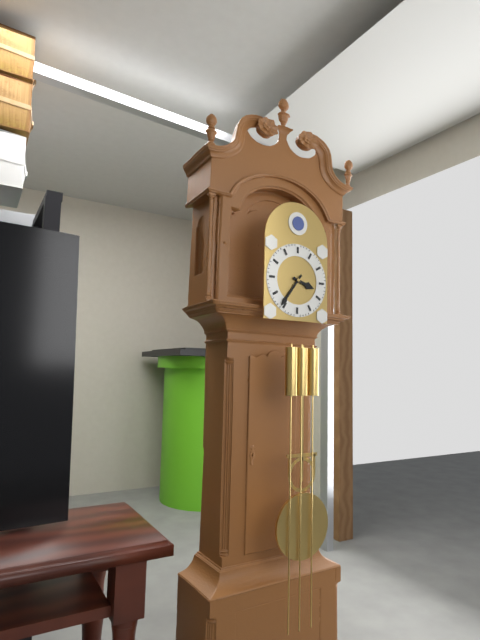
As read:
3:36
